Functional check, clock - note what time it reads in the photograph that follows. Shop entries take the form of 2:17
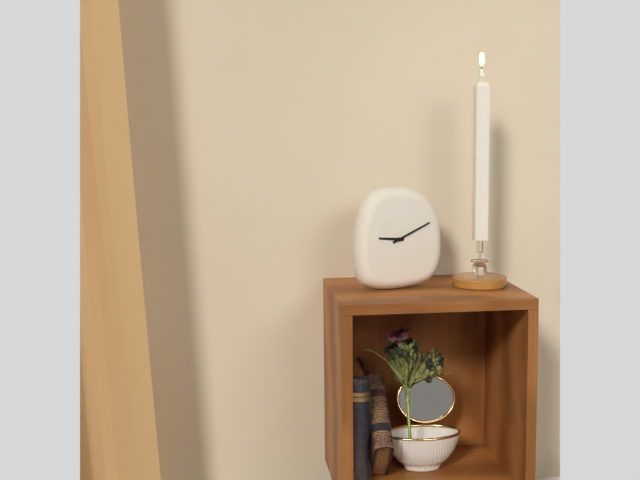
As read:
9:11
